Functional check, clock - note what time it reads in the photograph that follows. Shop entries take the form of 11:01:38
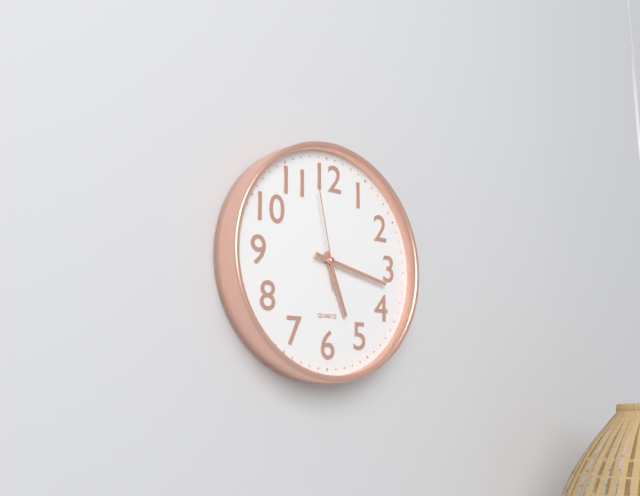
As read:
5:17:58
